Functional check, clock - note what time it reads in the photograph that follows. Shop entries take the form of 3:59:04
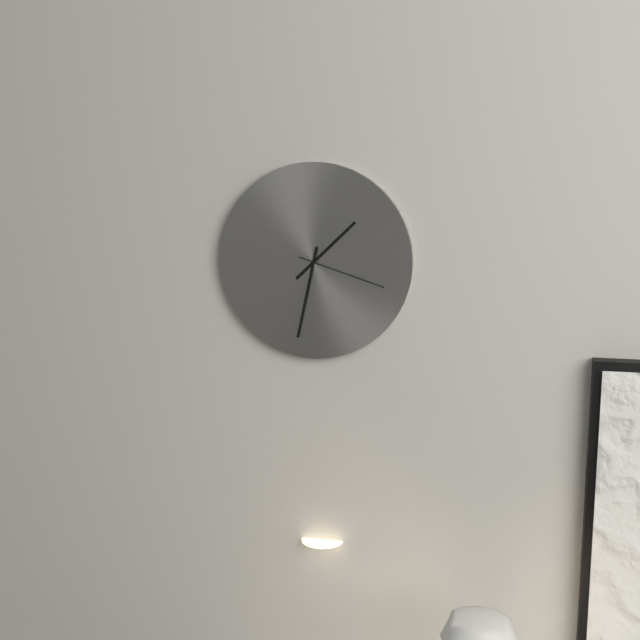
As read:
1:32:18
